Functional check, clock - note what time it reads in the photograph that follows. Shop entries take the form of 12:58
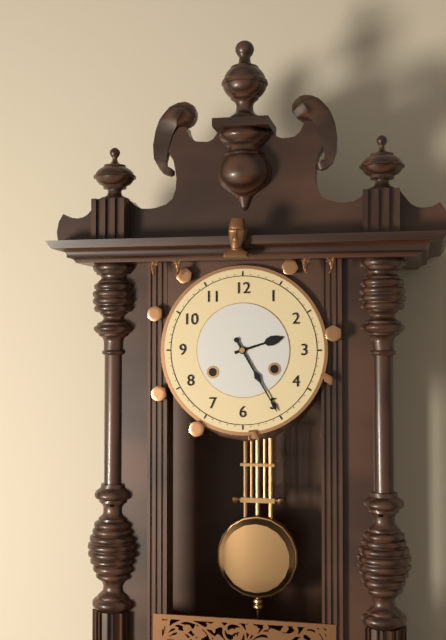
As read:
2:25
